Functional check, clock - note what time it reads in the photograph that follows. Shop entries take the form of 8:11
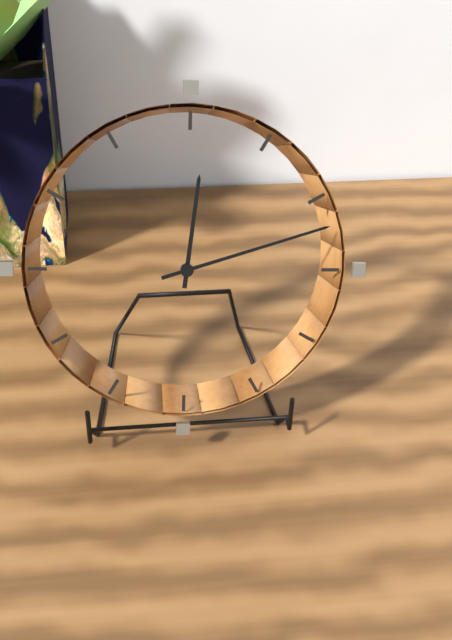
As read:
12:12
